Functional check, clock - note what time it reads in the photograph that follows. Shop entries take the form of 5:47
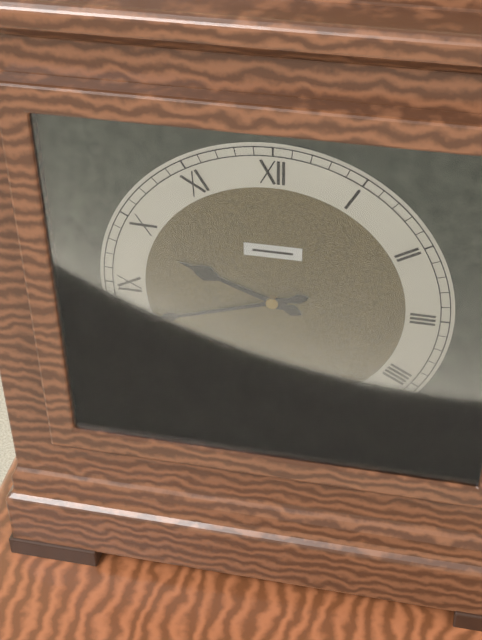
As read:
9:42
